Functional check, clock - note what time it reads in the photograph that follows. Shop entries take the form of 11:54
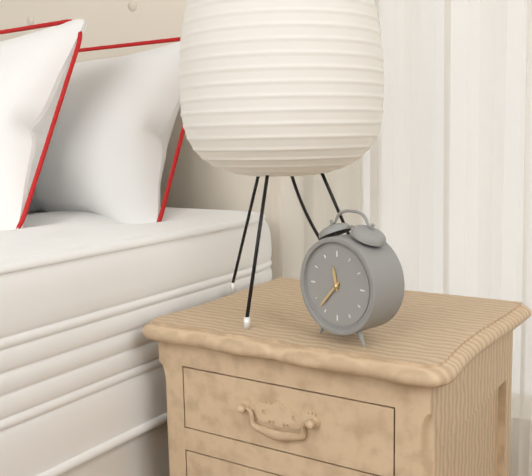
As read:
11:37
